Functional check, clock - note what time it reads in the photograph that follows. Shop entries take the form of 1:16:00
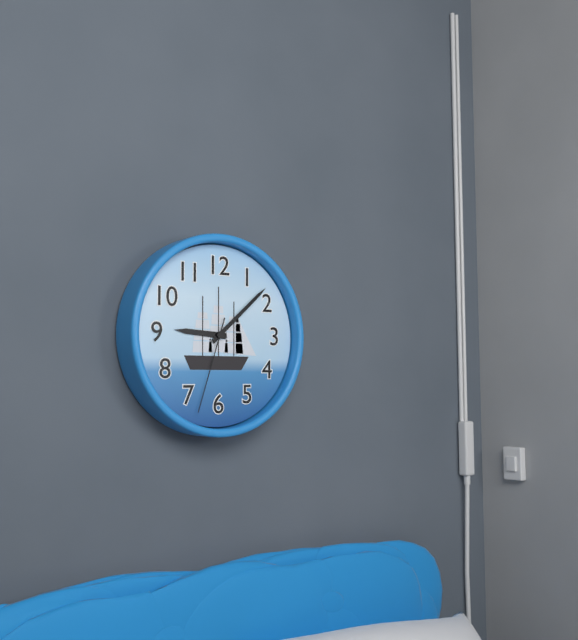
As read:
9:08:33
